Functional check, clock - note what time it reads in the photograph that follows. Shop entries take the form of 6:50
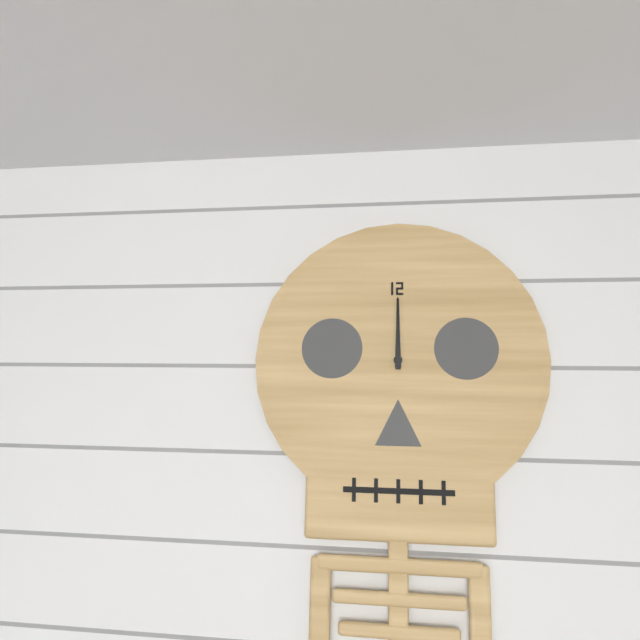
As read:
12:00
